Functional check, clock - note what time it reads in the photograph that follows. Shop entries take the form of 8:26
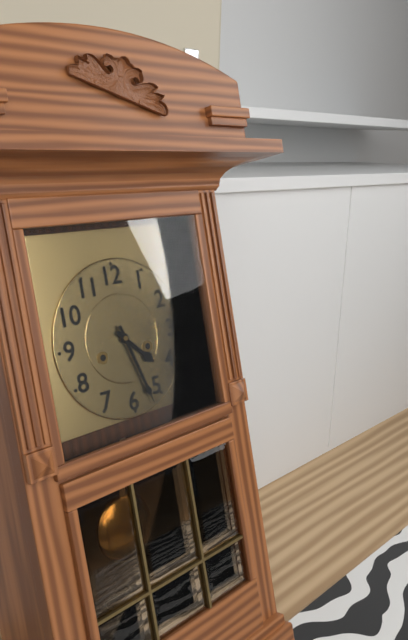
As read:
4:27
